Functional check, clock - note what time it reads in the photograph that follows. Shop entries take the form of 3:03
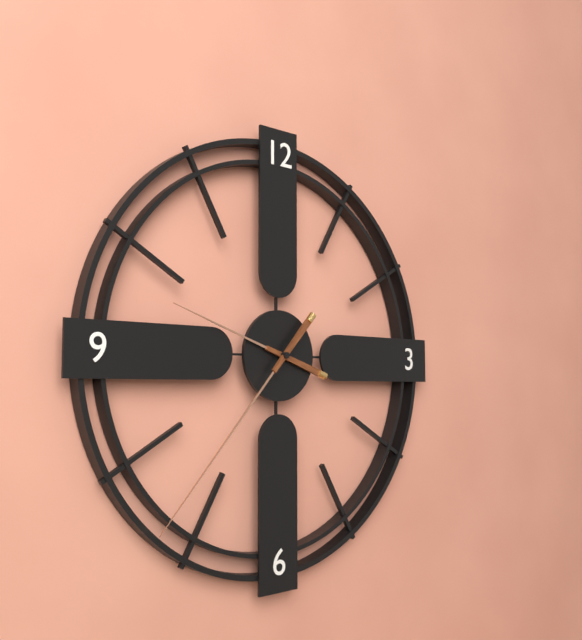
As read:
9:37
